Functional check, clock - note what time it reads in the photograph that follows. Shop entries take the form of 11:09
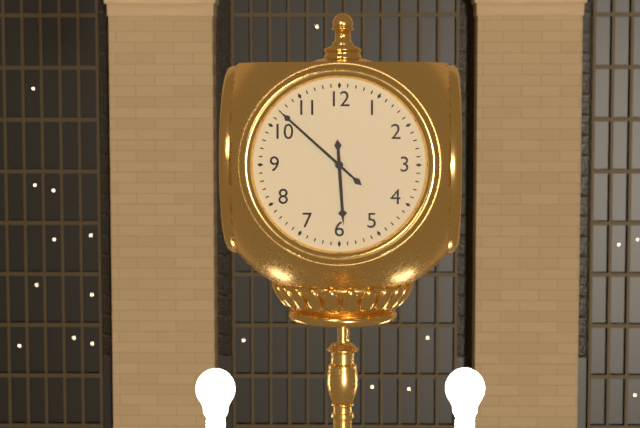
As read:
5:52
